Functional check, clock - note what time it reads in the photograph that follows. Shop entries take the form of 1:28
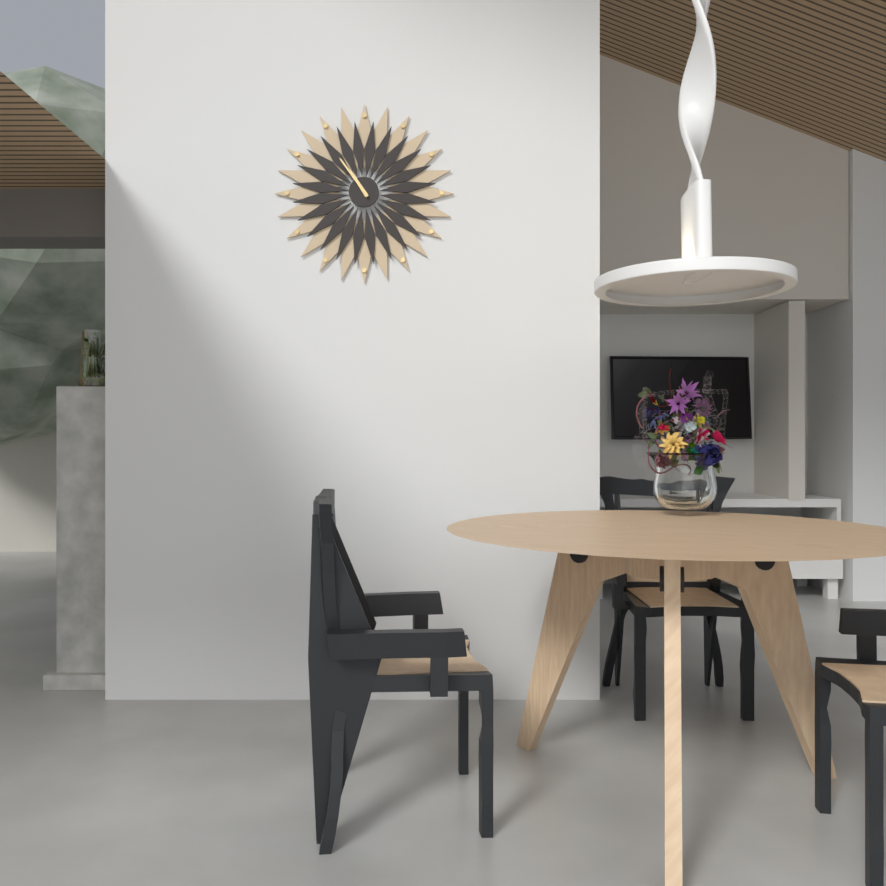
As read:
10:54
